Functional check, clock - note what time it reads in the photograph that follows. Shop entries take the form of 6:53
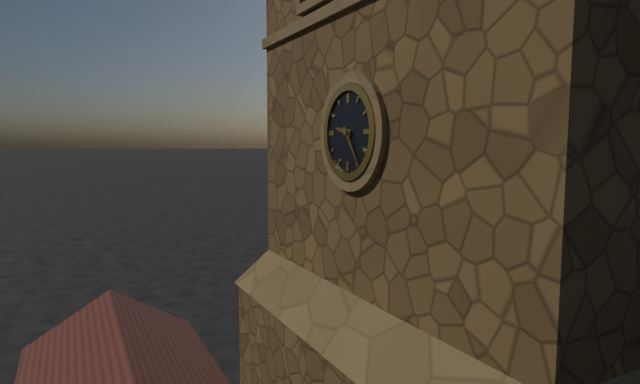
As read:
9:24
